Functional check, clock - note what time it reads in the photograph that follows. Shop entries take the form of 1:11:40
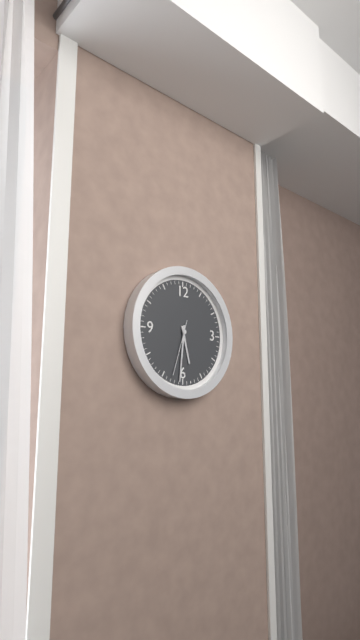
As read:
5:31:33
